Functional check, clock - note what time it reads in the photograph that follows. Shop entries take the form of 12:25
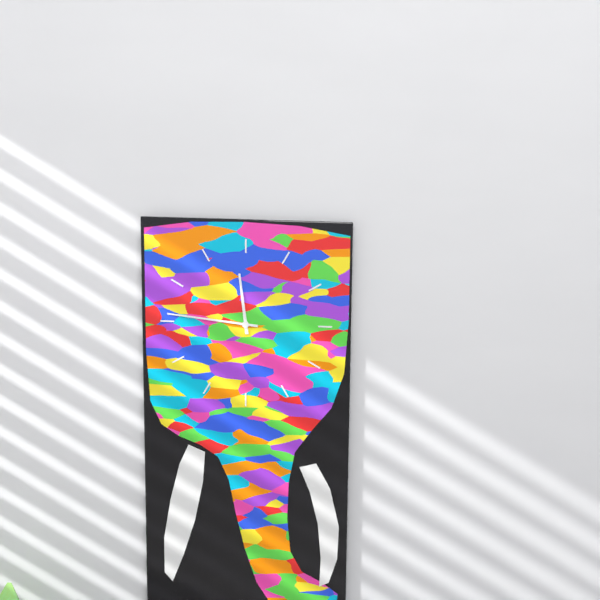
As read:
11:46
